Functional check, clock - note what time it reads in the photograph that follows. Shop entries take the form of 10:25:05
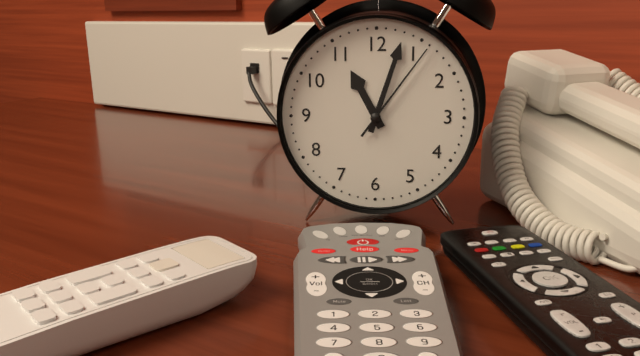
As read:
11:03:06
